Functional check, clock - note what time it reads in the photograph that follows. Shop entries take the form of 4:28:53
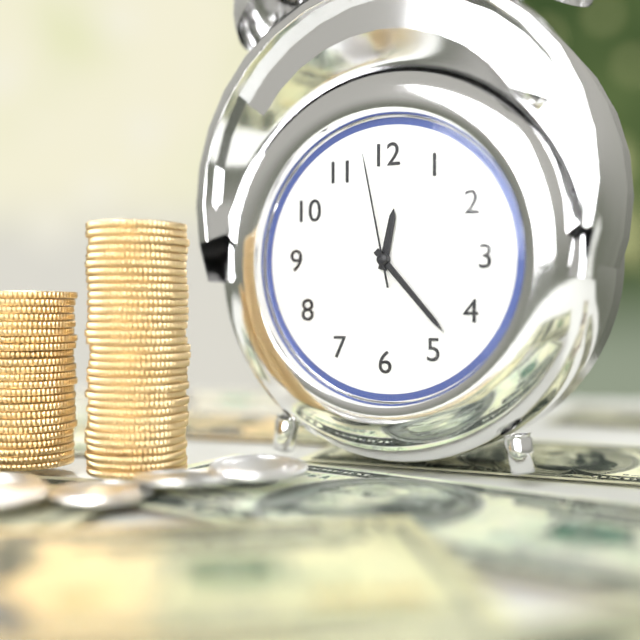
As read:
12:23:58
